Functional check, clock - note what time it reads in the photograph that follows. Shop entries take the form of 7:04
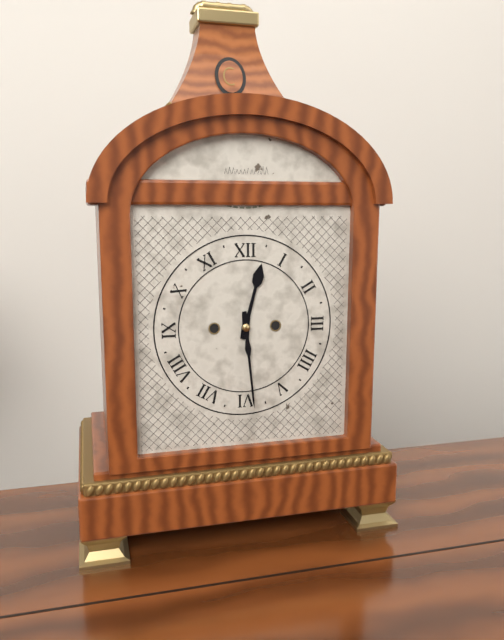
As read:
12:29
